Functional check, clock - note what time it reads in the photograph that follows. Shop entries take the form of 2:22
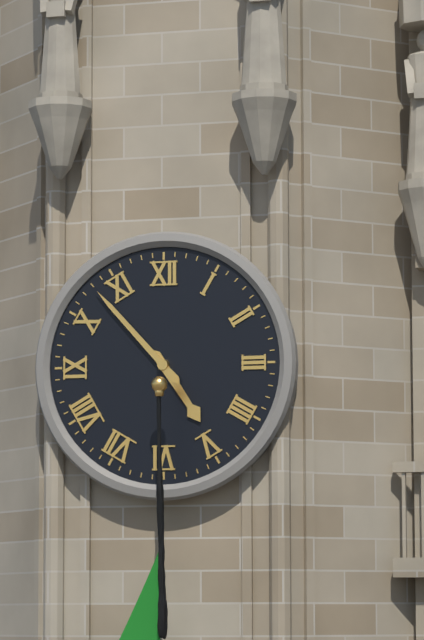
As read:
4:53
